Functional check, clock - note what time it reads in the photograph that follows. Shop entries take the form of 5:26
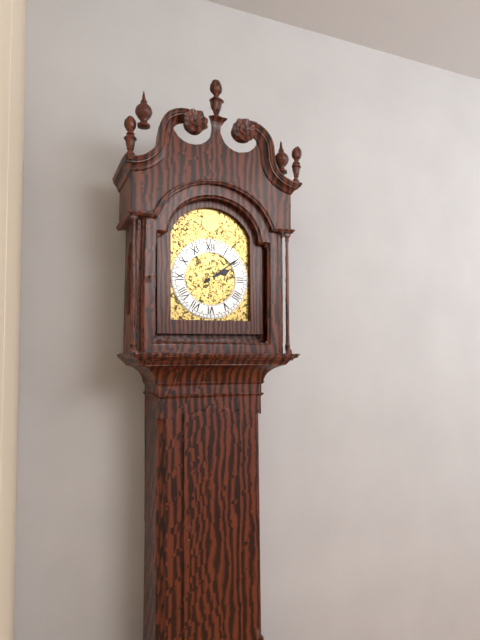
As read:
2:09
